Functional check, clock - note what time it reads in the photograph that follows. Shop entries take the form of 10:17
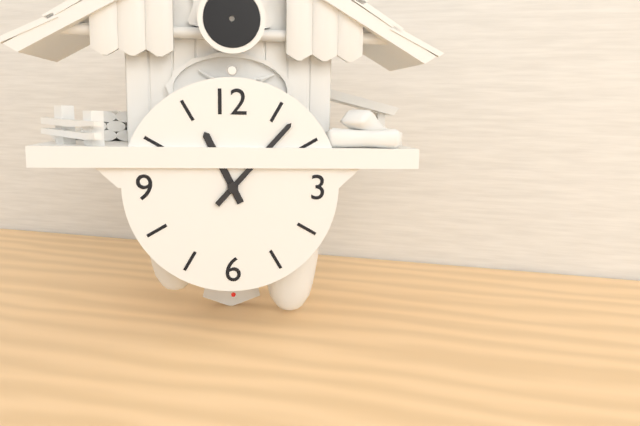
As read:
11:07
